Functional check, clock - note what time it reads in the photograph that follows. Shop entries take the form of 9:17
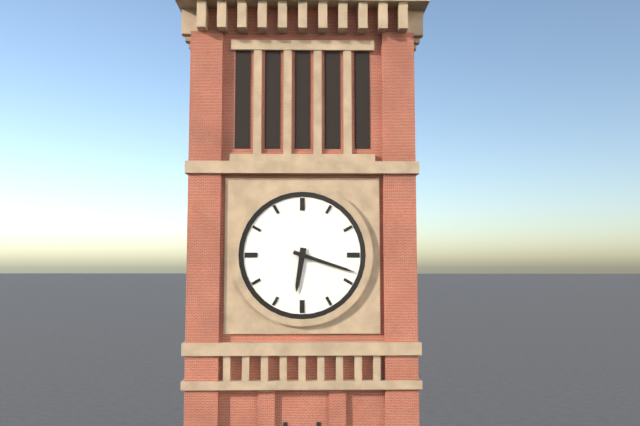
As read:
6:18
